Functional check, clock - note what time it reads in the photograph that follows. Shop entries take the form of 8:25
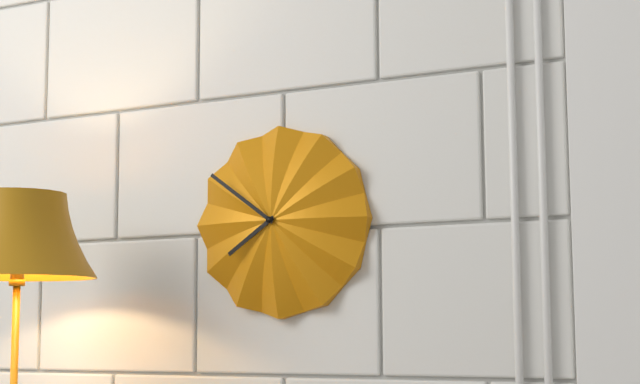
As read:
7:51
